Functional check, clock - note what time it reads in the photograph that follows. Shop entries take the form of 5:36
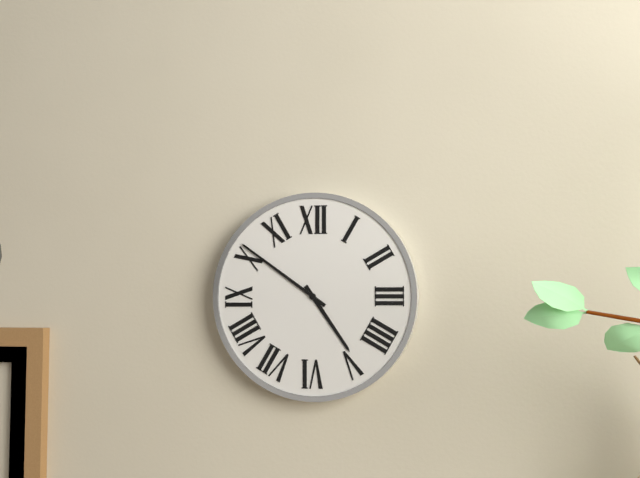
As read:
4:51
